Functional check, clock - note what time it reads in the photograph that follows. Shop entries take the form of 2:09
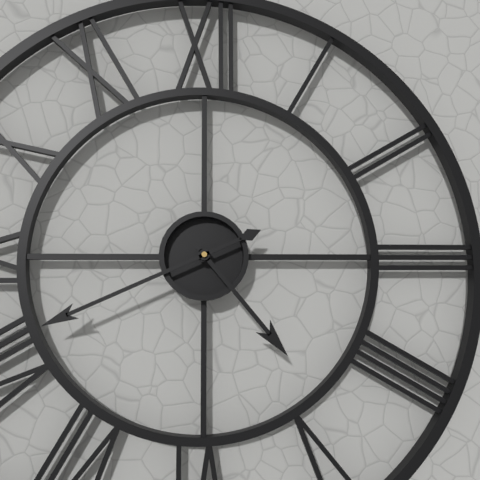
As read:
4:41
